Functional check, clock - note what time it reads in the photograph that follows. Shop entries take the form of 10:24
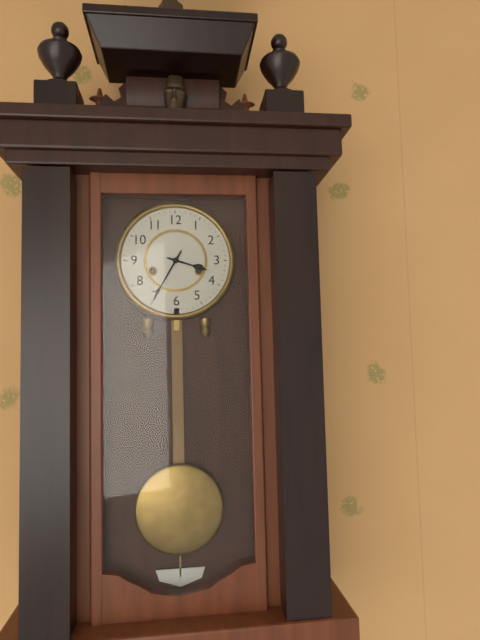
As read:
3:35
